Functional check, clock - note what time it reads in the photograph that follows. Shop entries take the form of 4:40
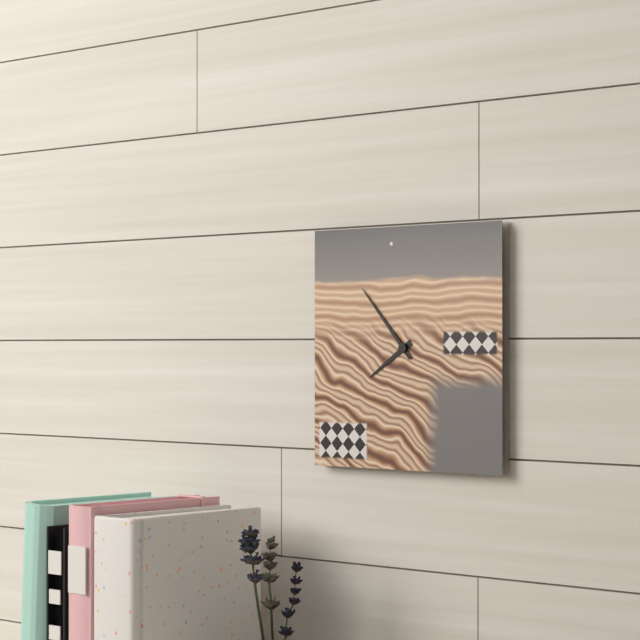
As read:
7:53
